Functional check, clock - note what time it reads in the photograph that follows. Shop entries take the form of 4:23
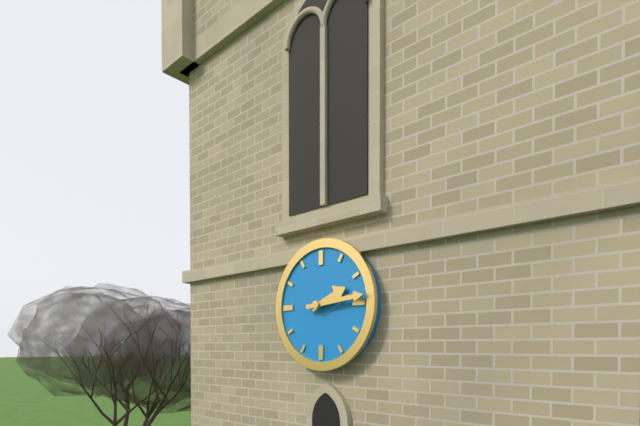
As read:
2:14
